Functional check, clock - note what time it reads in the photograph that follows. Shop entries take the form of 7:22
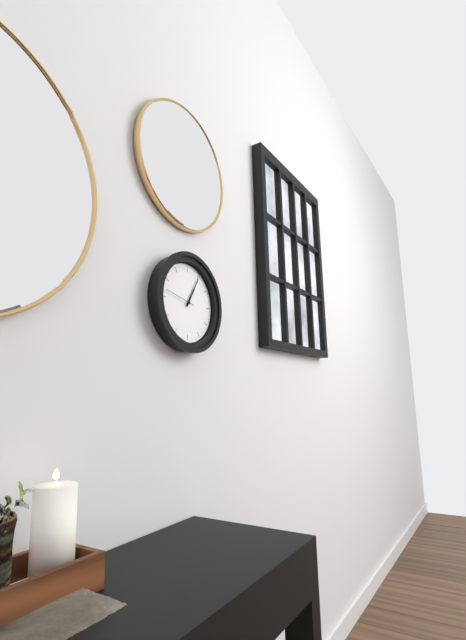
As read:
1:05
